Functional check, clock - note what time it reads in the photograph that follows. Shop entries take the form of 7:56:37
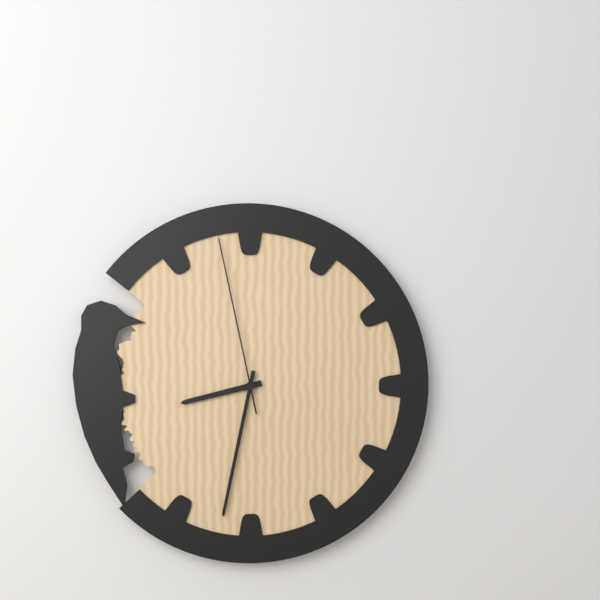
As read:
8:32:58
